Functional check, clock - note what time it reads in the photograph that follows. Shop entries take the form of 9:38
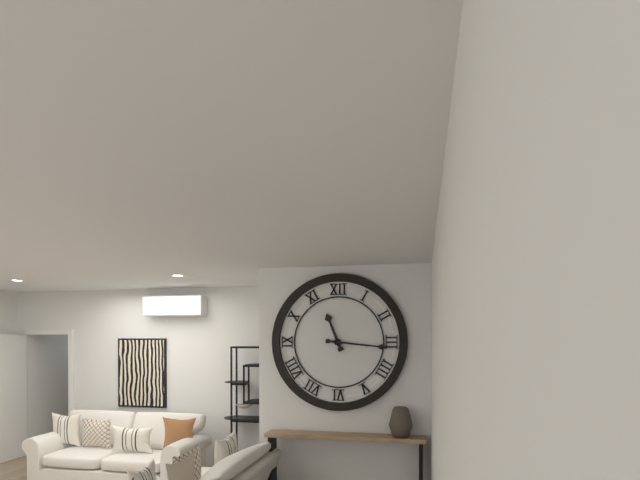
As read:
11:16
